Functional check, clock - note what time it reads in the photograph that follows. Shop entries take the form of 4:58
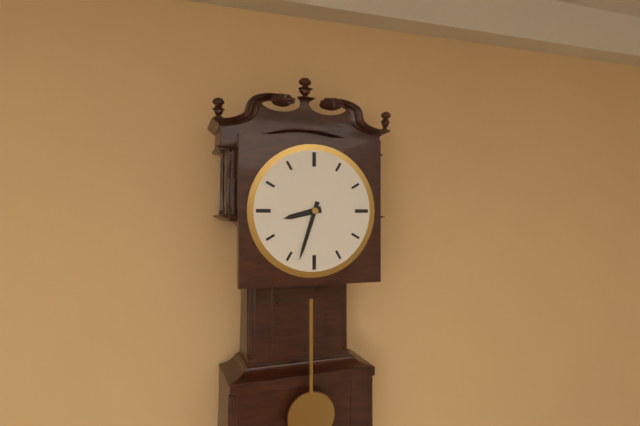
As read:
8:33
